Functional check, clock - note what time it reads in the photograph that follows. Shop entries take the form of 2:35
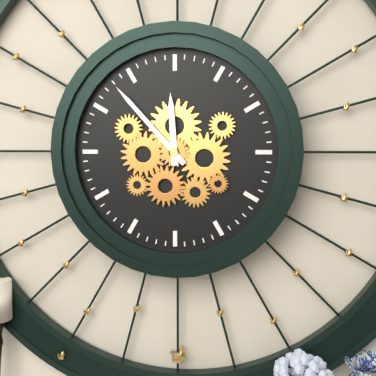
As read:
11:53
